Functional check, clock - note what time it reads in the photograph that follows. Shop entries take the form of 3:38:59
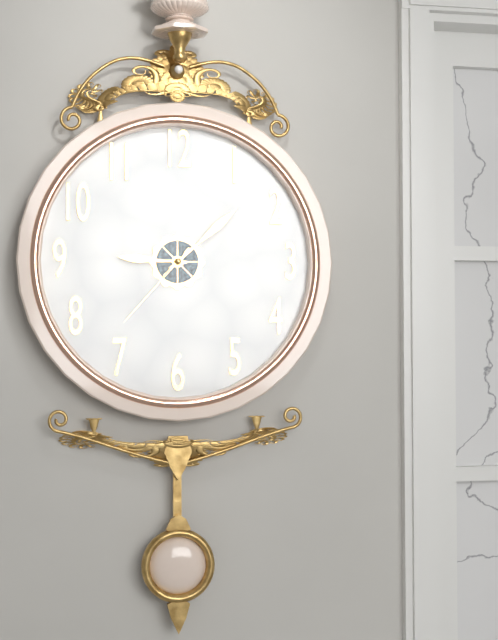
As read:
9:08:37
